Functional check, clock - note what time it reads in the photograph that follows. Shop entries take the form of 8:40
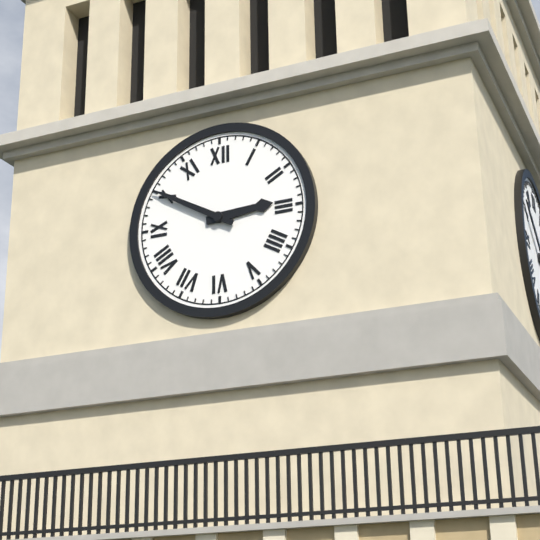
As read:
2:50
